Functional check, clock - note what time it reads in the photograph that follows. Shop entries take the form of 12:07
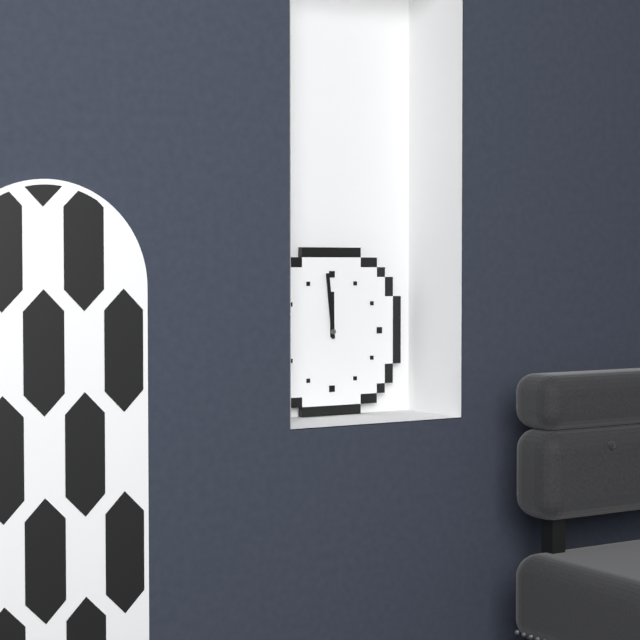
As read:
11:59
